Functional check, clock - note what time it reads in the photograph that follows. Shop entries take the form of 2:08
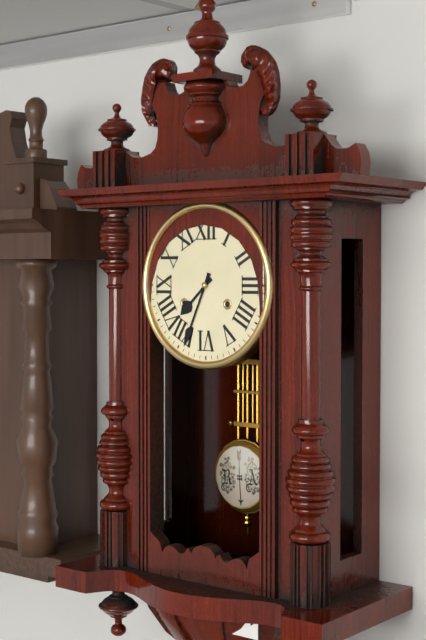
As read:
7:34
